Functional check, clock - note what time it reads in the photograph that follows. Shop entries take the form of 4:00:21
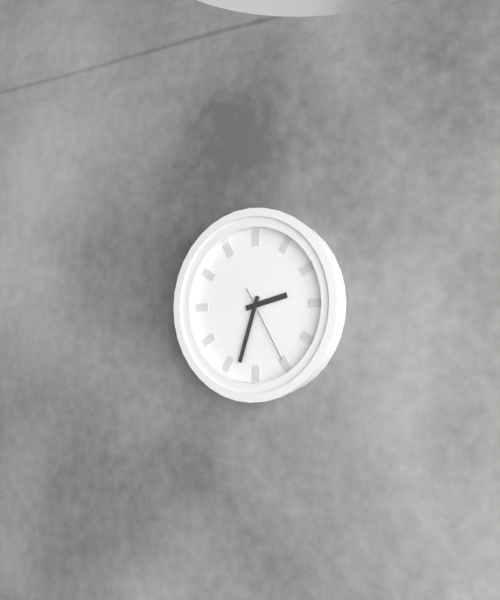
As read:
2:33:25
